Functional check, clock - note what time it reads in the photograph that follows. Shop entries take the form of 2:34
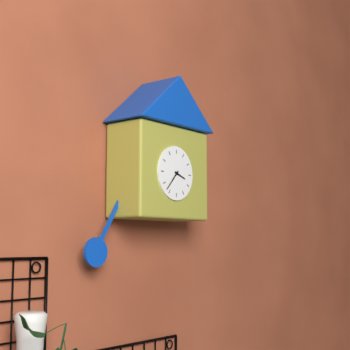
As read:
3:37
